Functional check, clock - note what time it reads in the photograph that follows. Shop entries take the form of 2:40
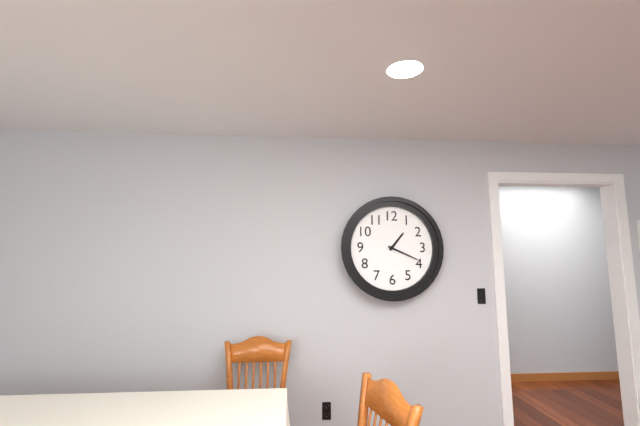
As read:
1:19
